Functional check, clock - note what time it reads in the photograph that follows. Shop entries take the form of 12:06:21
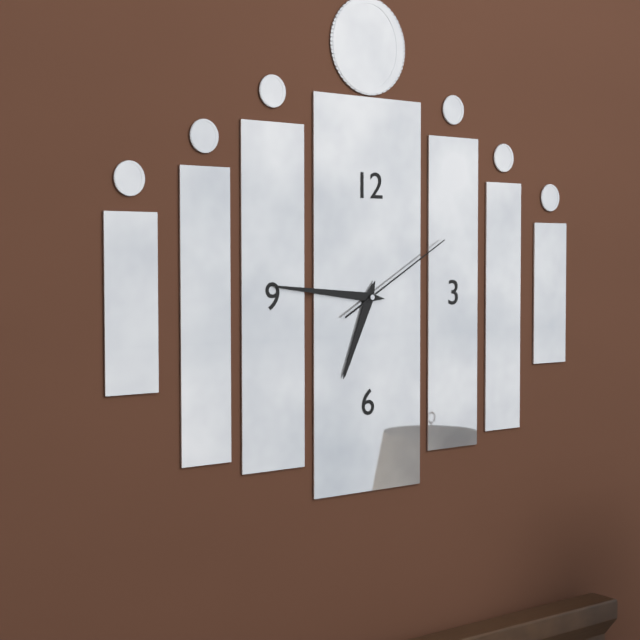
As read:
6:46:10
